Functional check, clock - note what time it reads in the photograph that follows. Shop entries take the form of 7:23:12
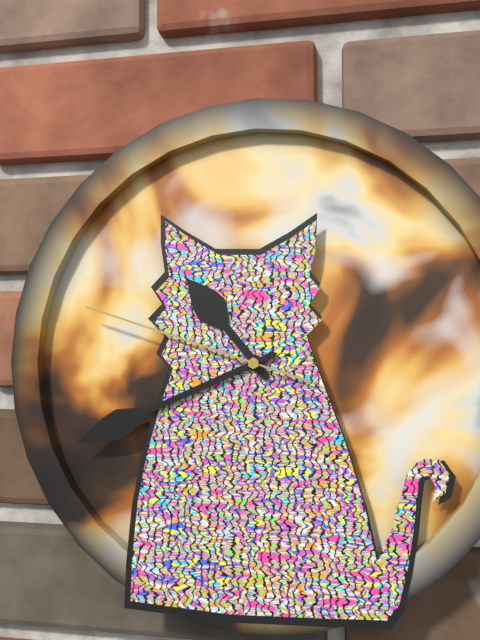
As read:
10:41:48
